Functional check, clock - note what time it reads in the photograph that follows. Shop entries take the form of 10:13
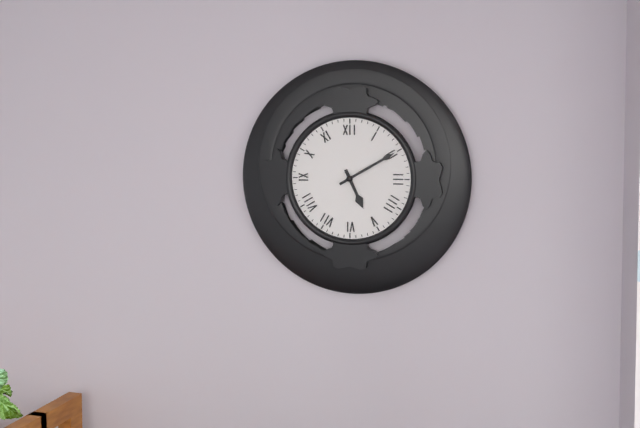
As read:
5:10
